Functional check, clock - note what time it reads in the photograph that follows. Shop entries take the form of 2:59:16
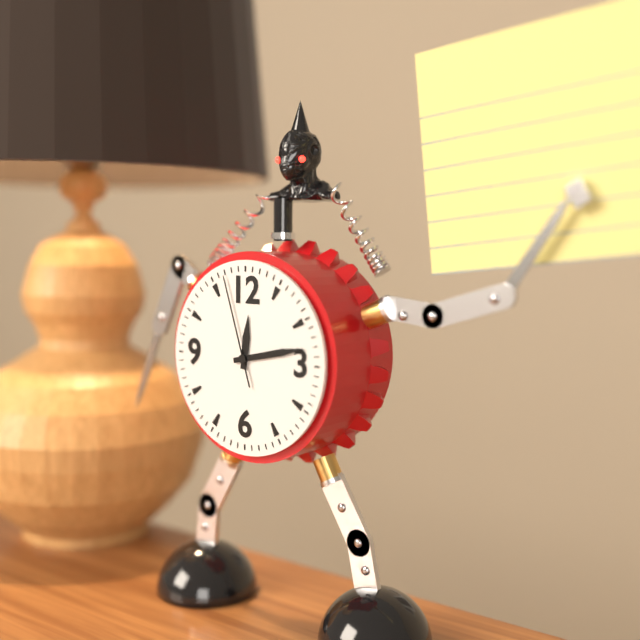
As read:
12:13:57
